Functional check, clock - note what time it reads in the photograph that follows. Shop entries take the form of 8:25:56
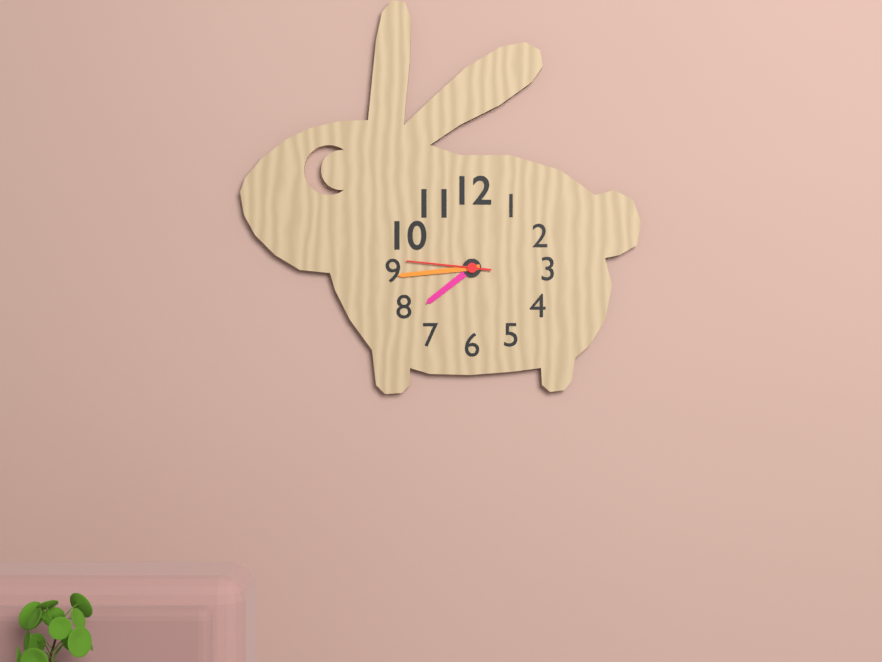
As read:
7:44:46
